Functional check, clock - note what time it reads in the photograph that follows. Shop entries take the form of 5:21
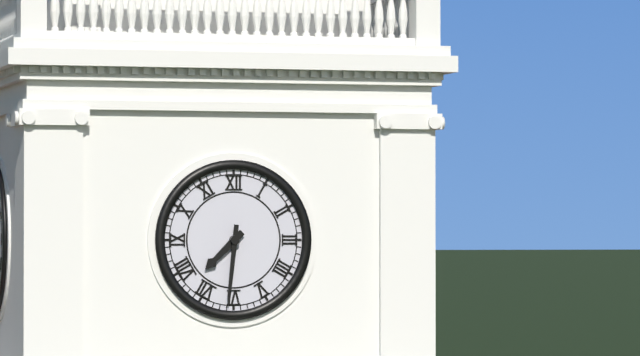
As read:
7:31
